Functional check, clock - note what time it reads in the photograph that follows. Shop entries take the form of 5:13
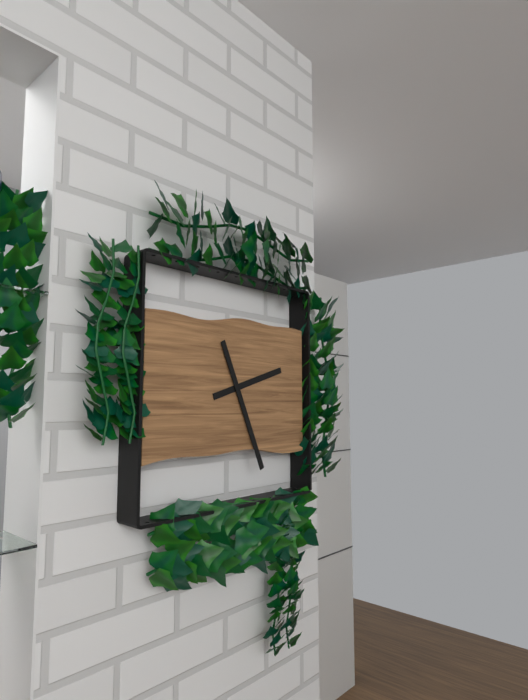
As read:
2:26
